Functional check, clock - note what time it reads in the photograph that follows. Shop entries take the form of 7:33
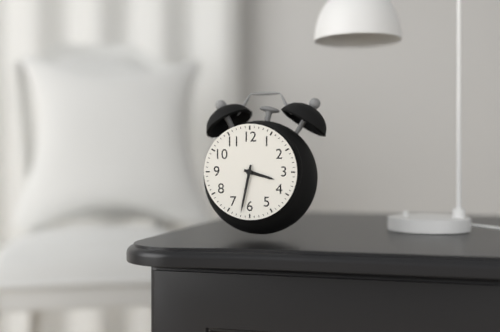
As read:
3:32
